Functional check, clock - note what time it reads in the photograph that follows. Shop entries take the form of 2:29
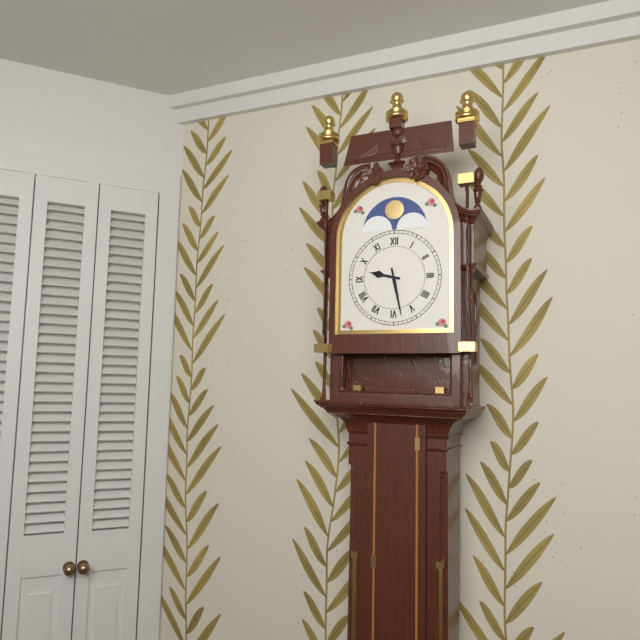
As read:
9:28
